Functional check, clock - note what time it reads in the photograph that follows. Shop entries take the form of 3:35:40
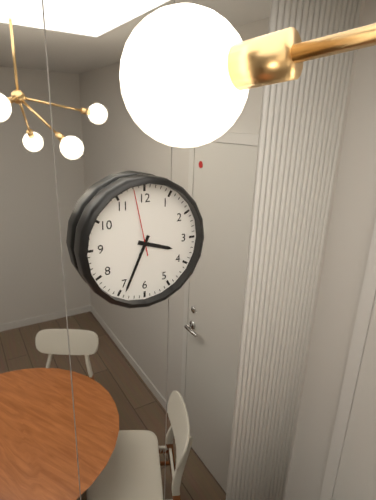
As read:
3:34:58
